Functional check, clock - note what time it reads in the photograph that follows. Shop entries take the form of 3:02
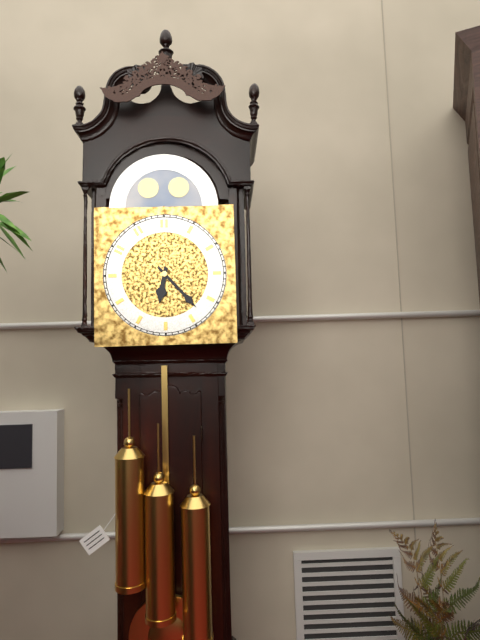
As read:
6:23
